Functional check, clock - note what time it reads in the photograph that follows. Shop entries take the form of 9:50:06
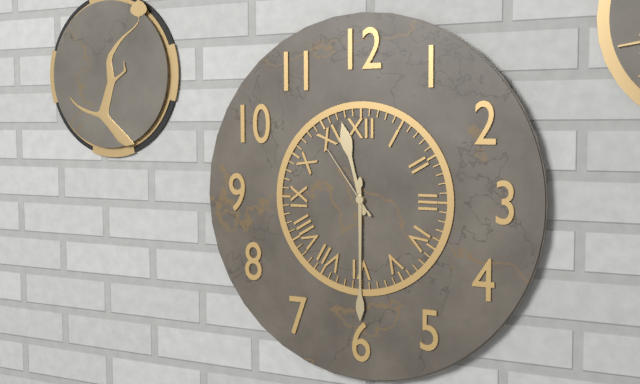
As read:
11:30:54
